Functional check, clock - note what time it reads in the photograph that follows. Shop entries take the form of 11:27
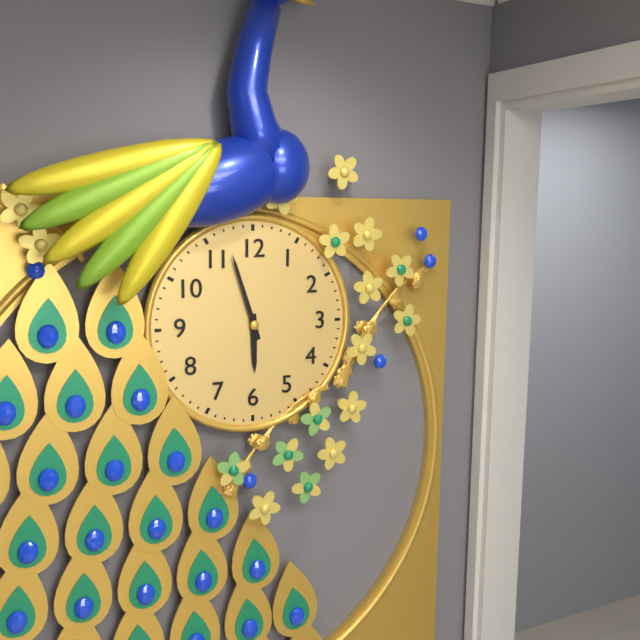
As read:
5:57
